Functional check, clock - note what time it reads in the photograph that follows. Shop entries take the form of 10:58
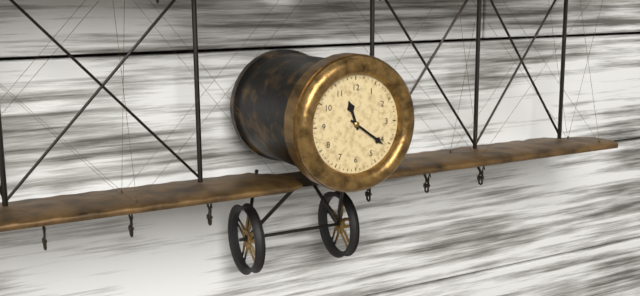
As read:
11:21
